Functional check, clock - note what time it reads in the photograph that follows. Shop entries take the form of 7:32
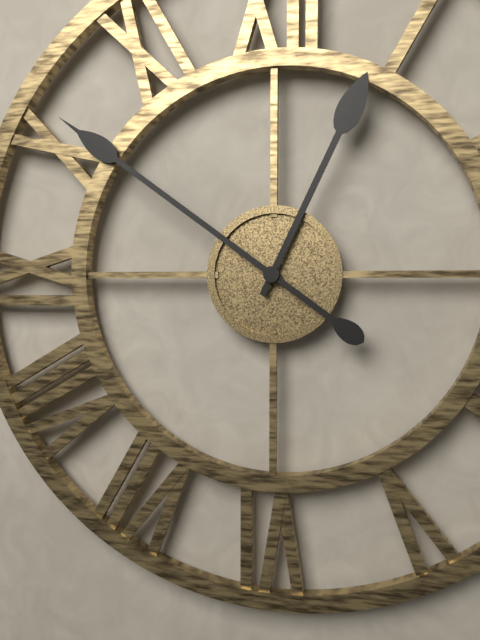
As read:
12:51
